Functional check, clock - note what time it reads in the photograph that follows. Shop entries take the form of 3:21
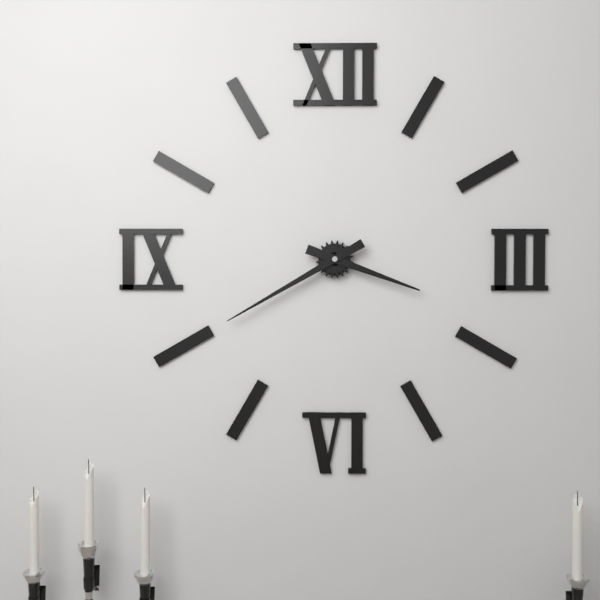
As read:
3:40
